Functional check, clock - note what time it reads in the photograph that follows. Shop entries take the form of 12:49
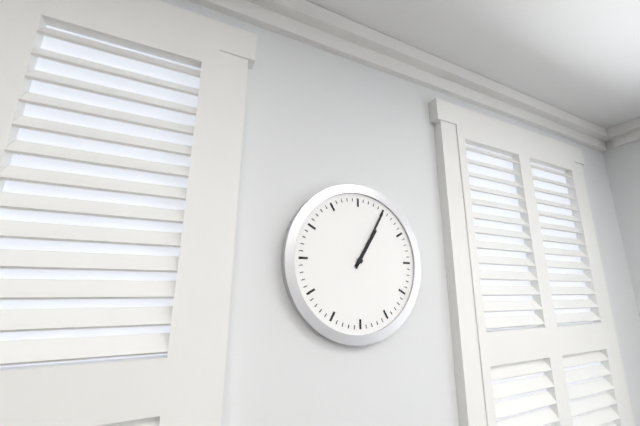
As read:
1:05
